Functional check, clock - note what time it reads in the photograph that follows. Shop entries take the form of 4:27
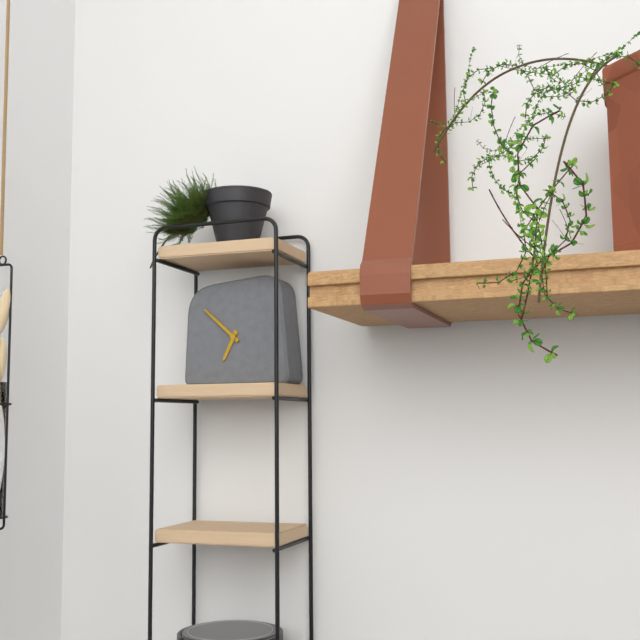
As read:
6:52
